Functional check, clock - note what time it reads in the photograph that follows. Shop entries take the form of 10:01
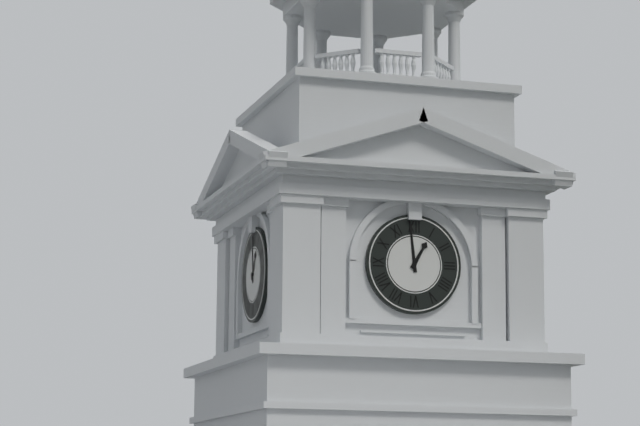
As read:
12:59
